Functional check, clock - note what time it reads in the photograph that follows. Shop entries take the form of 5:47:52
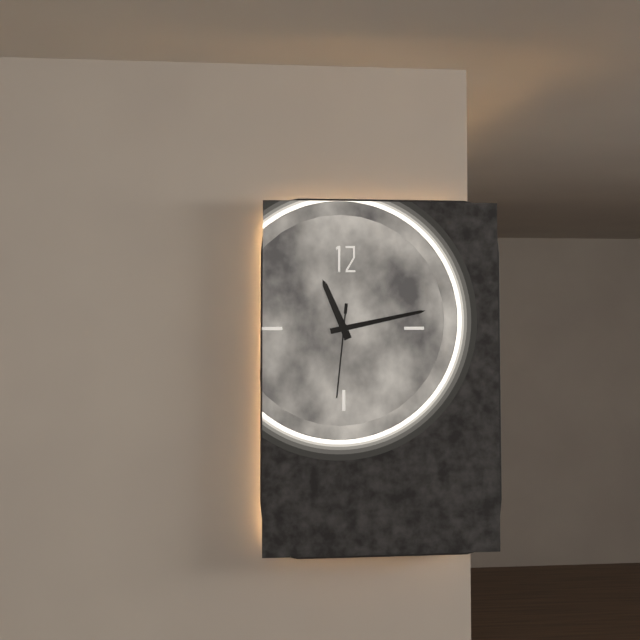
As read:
11:13:31
